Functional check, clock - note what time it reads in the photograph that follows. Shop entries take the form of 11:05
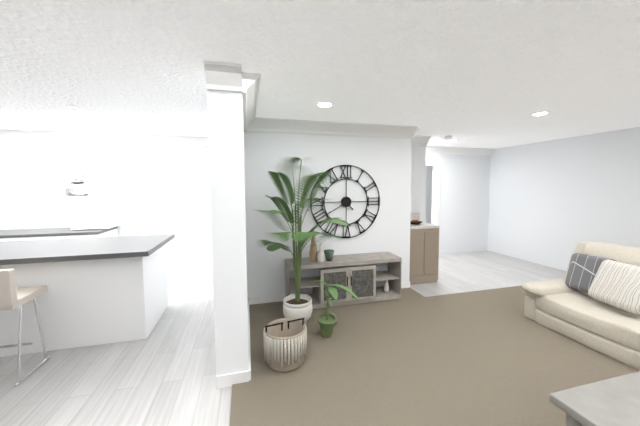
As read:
4:40
